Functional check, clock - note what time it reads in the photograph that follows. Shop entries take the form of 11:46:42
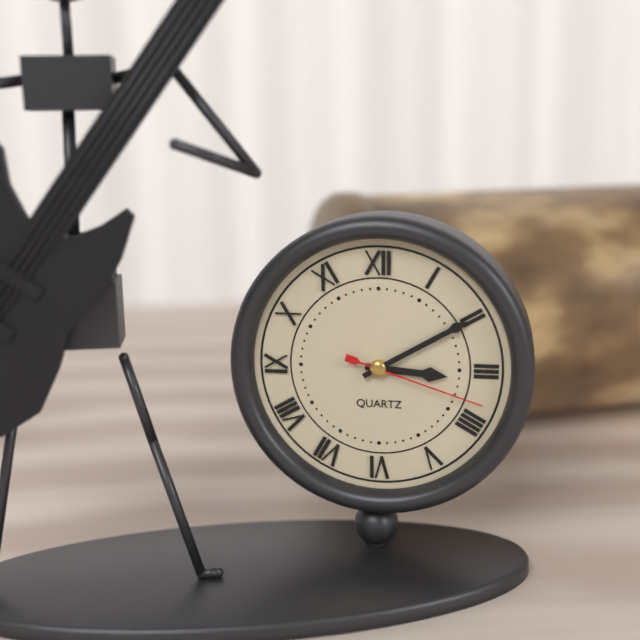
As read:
3:10:18
